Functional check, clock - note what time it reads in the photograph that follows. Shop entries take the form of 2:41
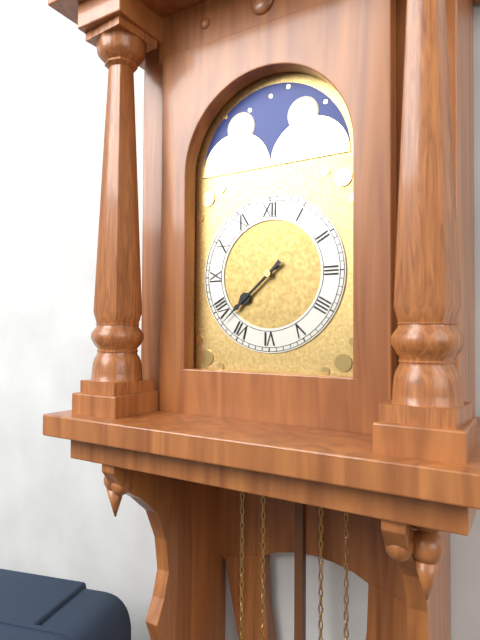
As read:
7:38
